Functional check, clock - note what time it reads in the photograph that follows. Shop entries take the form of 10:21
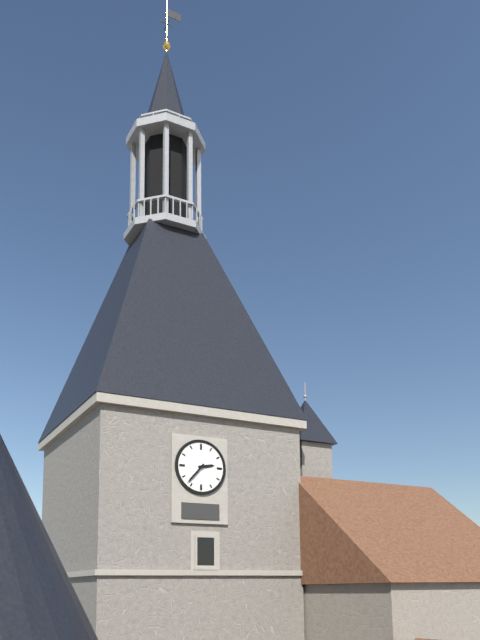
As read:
2:37
